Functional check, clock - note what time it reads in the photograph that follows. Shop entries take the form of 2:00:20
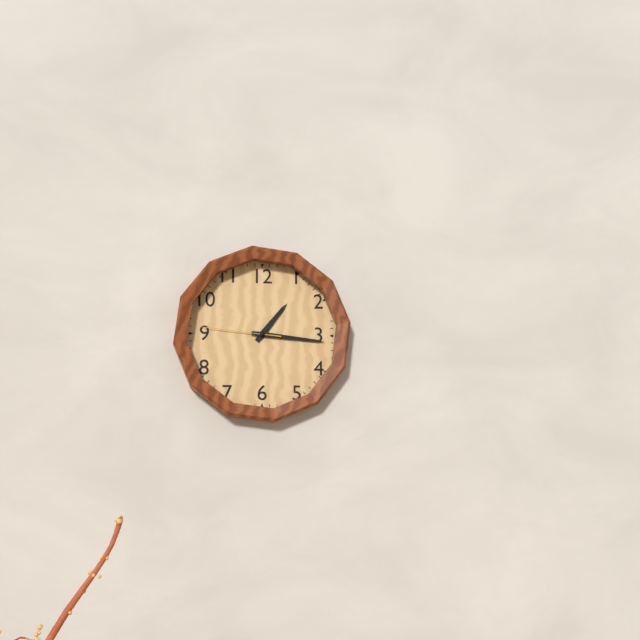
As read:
1:16:46
